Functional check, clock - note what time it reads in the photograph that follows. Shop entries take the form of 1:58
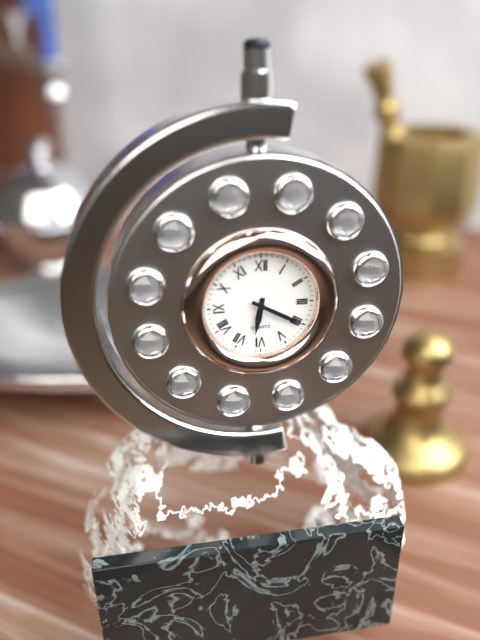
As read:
6:20
